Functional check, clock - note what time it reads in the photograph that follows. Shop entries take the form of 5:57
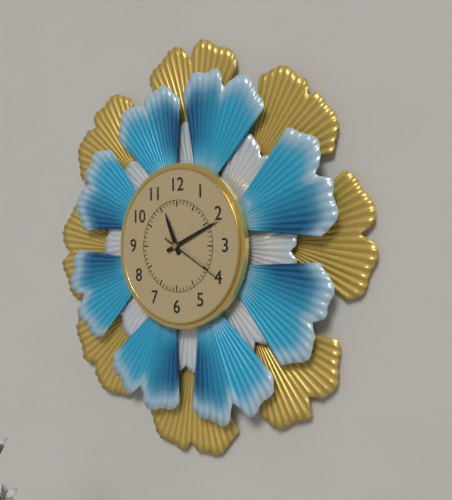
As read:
11:11
